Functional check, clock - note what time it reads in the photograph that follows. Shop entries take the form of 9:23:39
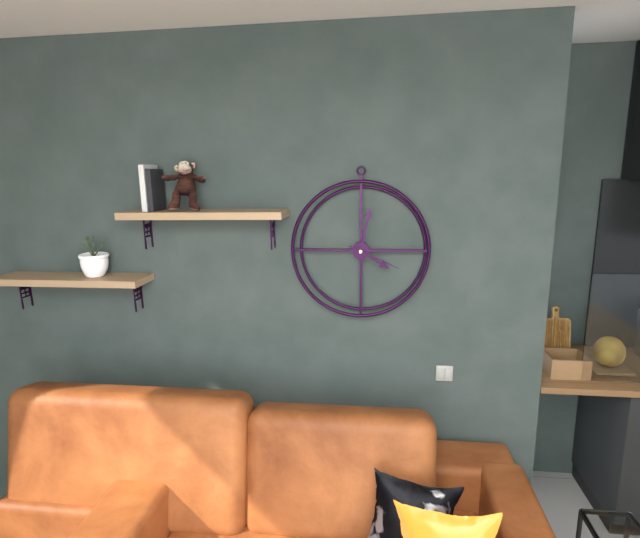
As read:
4:02:19
